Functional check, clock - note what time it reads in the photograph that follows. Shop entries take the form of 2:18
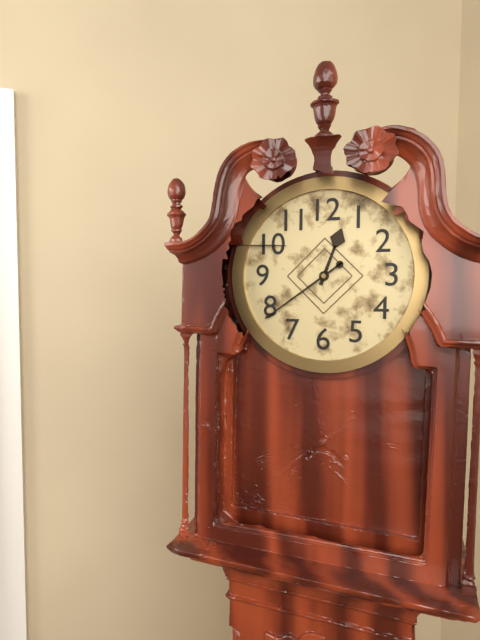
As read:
12:39
